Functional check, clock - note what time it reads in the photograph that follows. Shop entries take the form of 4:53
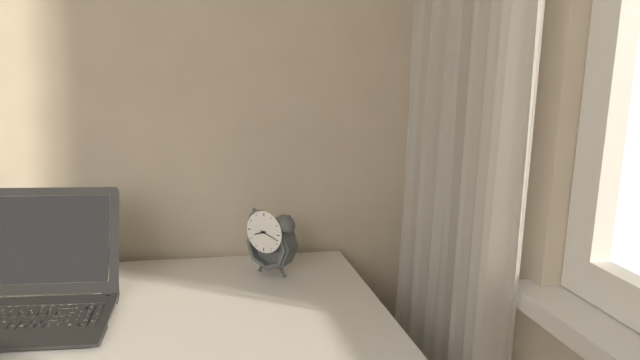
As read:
8:18
